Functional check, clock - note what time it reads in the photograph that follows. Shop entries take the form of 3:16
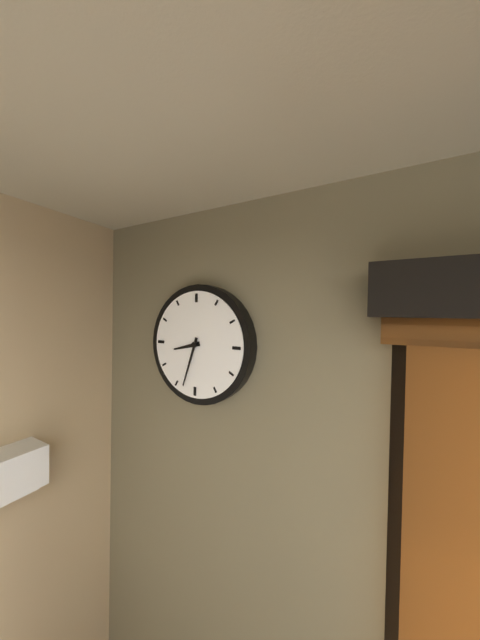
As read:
8:33
